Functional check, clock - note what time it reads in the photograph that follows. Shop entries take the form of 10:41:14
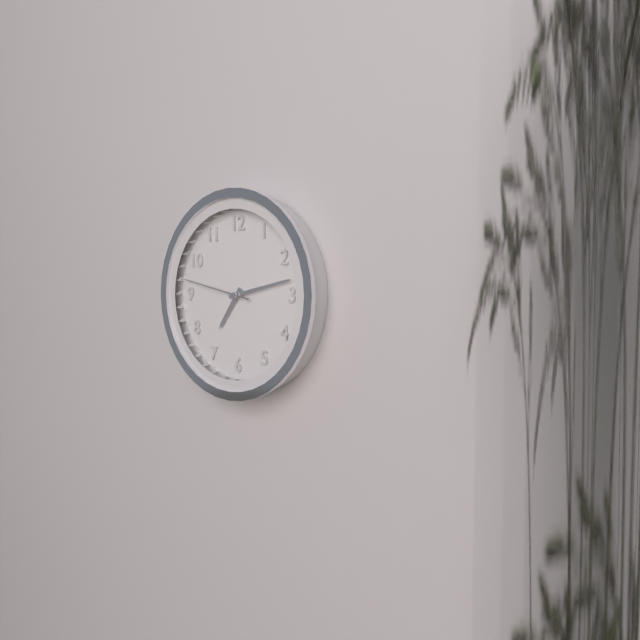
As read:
7:13:47
